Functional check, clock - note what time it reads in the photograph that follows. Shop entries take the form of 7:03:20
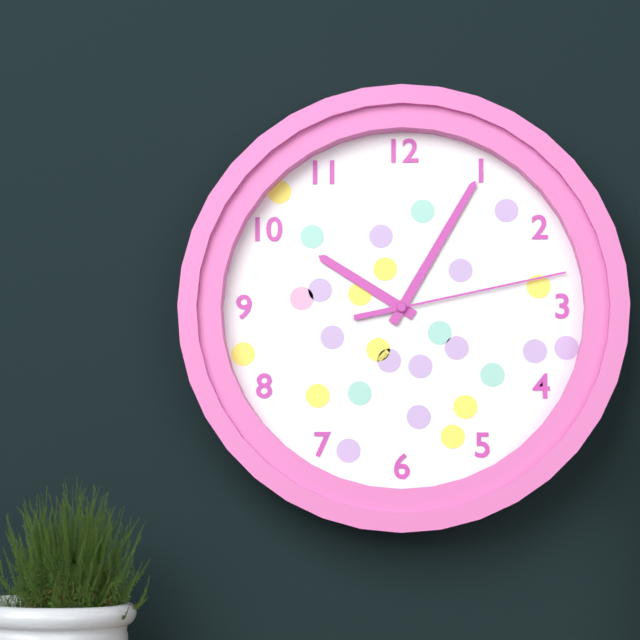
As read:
10:05:13
